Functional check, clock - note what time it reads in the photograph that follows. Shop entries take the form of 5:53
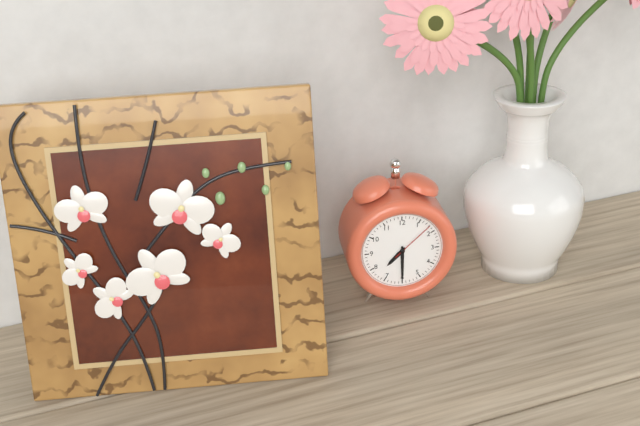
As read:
7:30
